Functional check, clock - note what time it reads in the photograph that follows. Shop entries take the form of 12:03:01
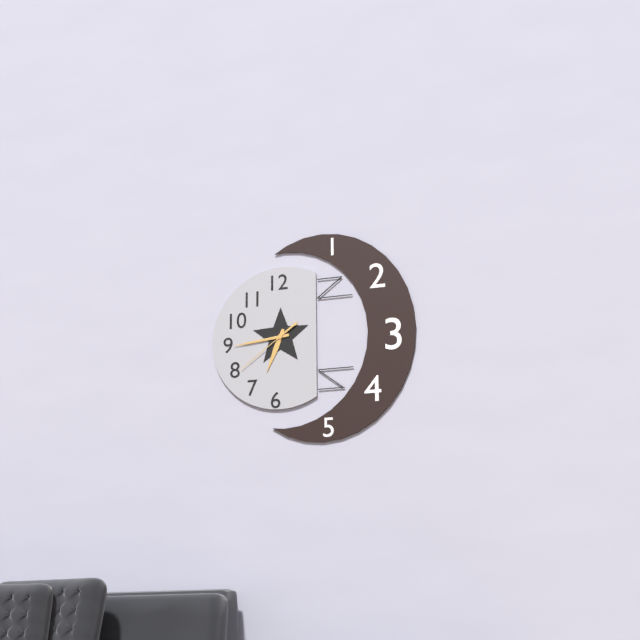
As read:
6:44:39
